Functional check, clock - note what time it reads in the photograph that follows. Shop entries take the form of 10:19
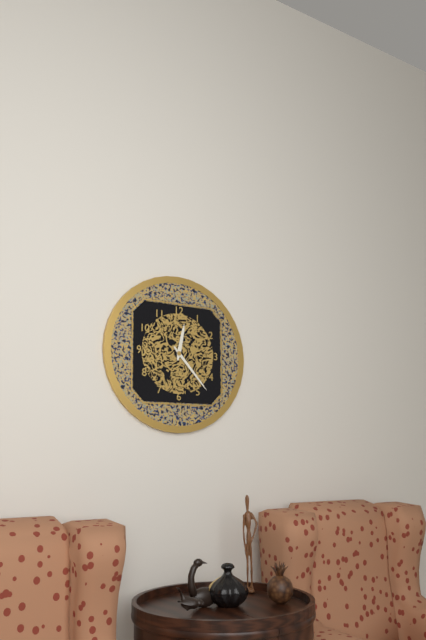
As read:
12:23
